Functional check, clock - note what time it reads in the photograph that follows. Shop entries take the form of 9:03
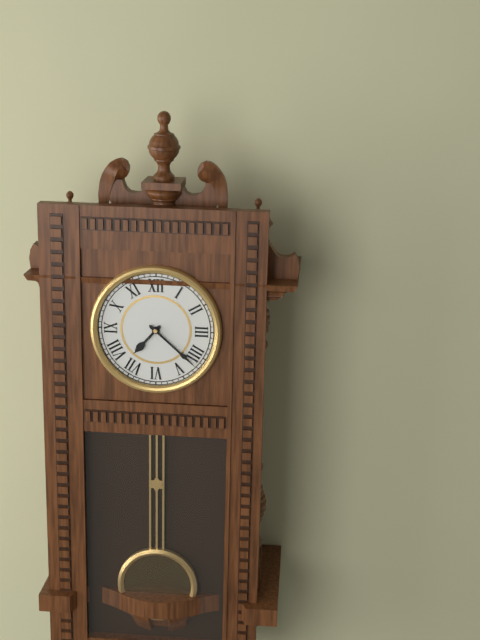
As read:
7:22
